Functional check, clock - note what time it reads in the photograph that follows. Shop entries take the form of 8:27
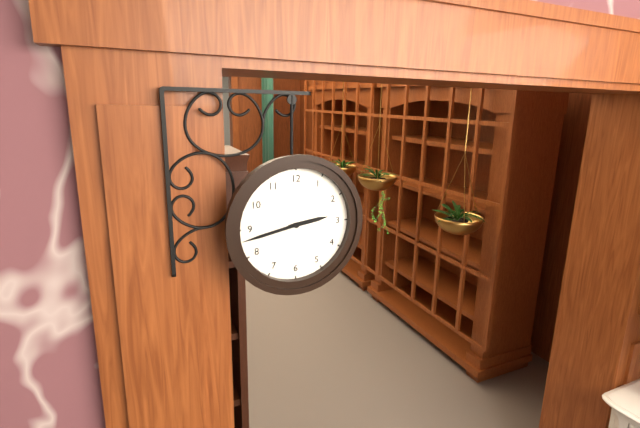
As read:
2:43
